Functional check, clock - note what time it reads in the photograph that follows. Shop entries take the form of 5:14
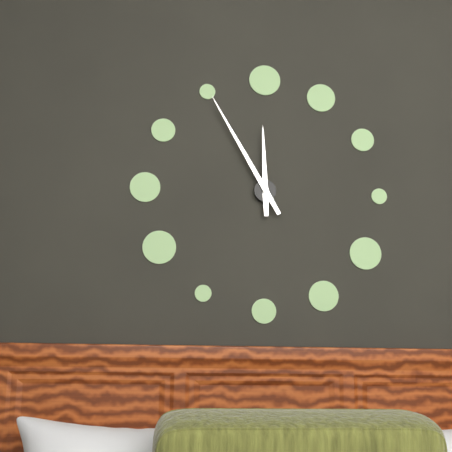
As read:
11:55
